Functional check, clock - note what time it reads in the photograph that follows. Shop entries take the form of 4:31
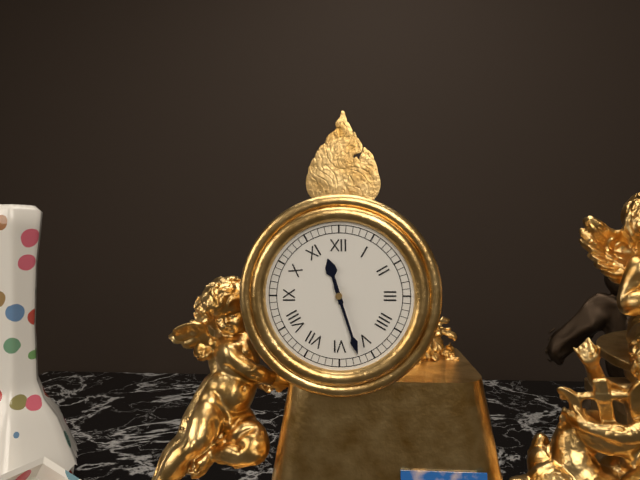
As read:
11:27
